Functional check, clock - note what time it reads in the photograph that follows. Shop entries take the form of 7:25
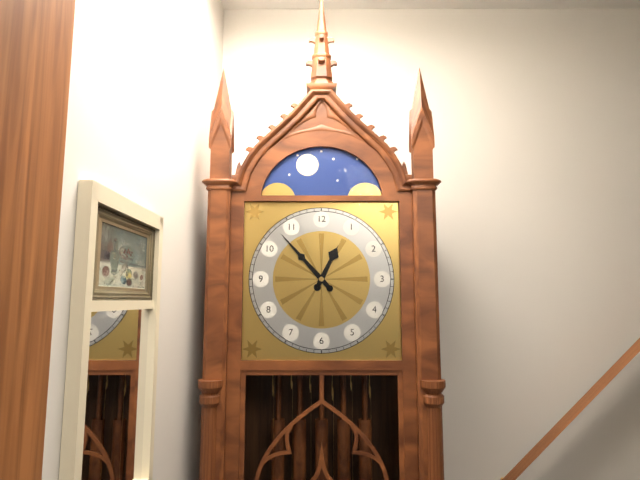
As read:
12:53
